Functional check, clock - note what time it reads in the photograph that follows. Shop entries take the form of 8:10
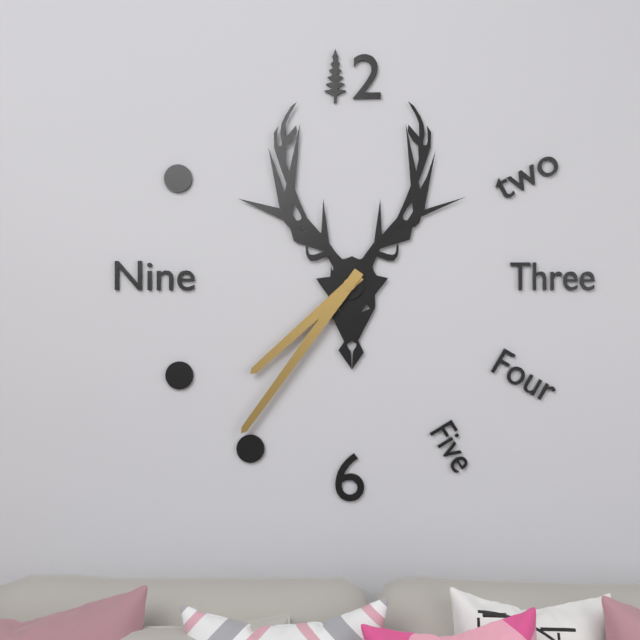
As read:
7:36
